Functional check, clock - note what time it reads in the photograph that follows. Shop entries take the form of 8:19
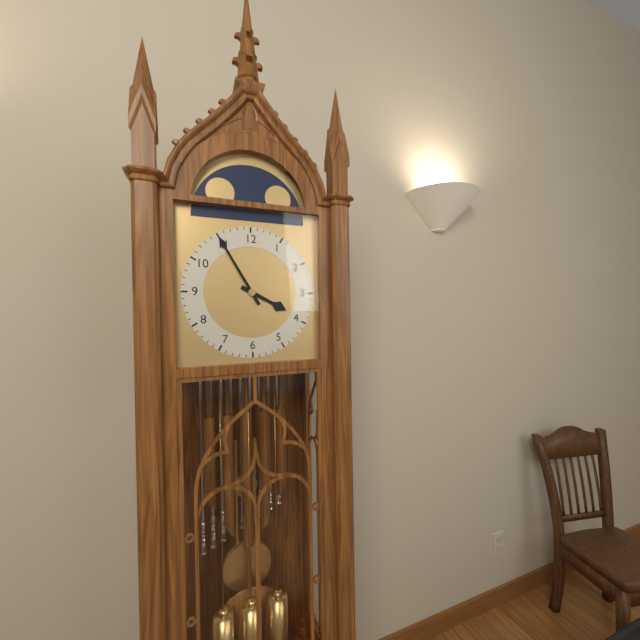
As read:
3:55
